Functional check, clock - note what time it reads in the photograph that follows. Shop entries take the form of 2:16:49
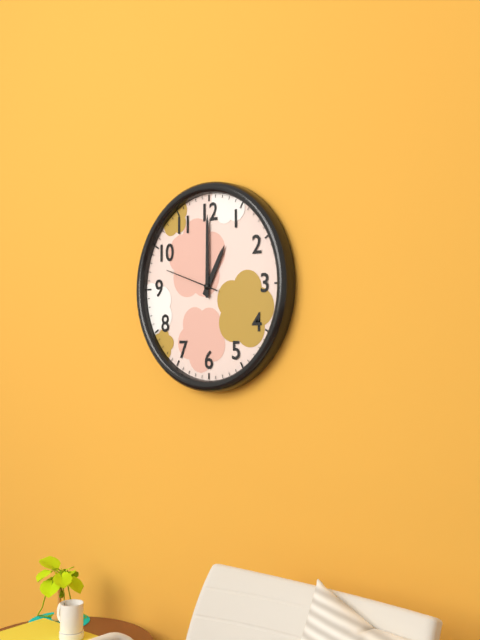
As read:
1:00:48
